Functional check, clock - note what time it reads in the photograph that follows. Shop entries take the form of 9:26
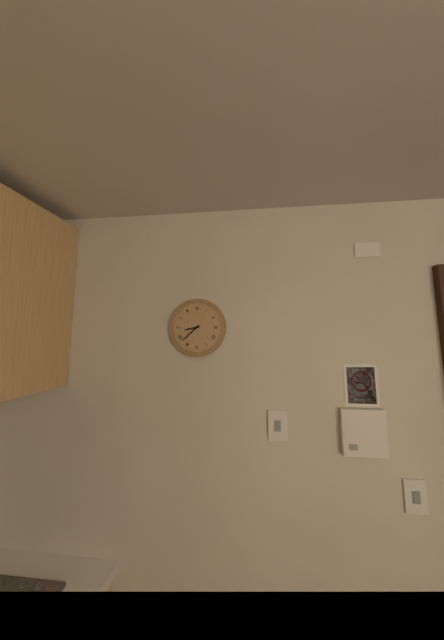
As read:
8:38
